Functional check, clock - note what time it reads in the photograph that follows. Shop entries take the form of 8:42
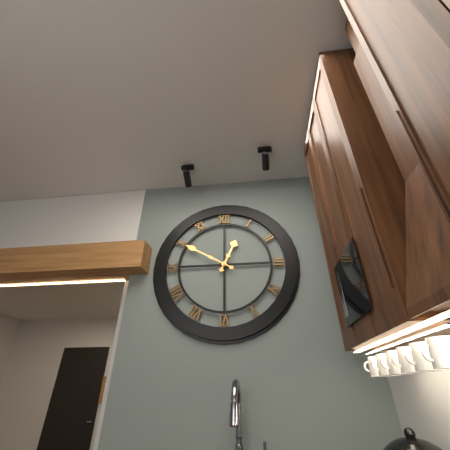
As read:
12:50
